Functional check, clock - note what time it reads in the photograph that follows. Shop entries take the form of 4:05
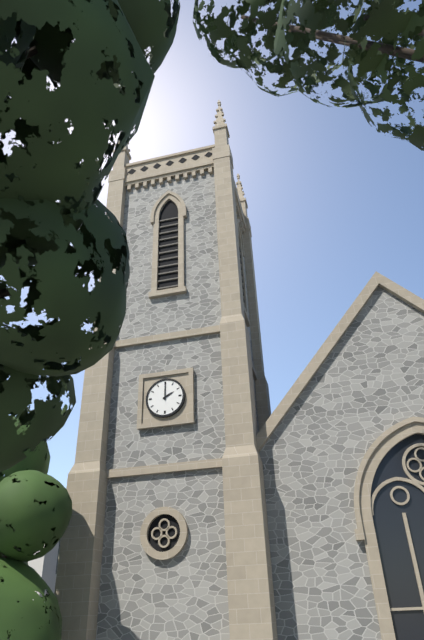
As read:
2:00
